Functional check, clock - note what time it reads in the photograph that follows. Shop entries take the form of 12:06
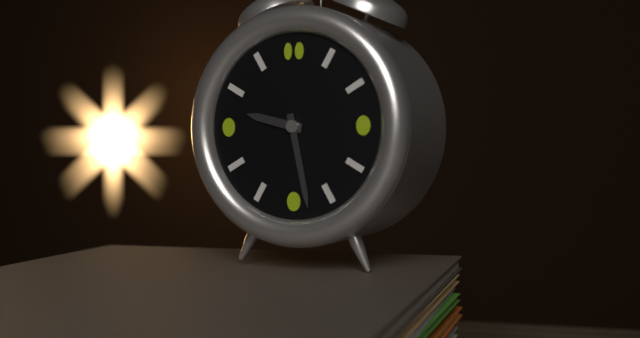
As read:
9:28
